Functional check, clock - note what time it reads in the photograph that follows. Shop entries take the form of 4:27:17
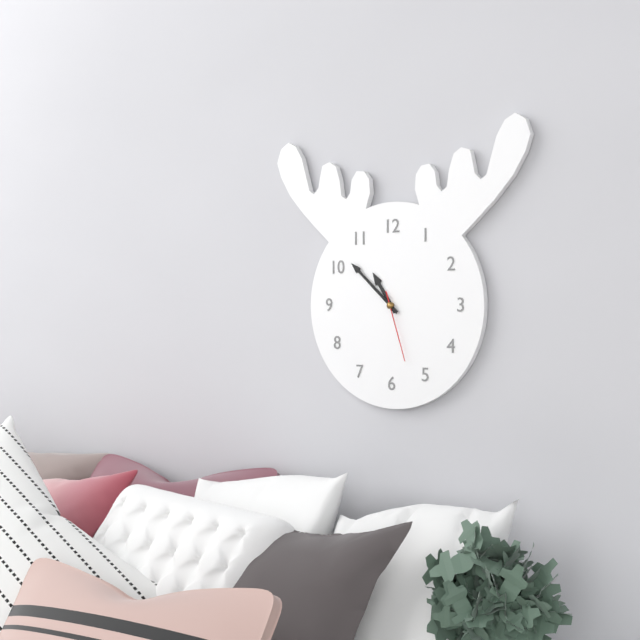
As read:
10:52:27
